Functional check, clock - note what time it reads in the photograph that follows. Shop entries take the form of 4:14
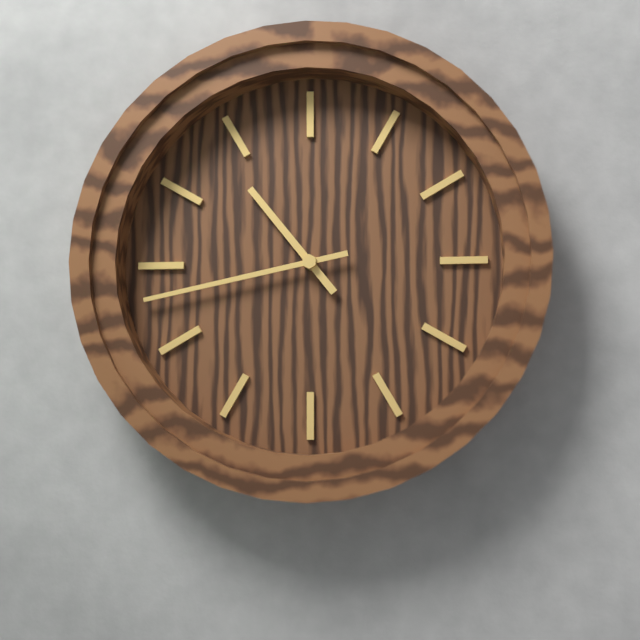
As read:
10:43
